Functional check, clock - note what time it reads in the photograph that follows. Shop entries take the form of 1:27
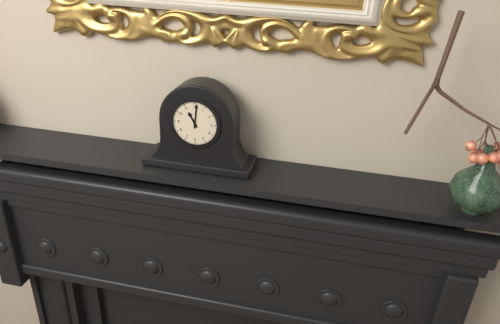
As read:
11:01
